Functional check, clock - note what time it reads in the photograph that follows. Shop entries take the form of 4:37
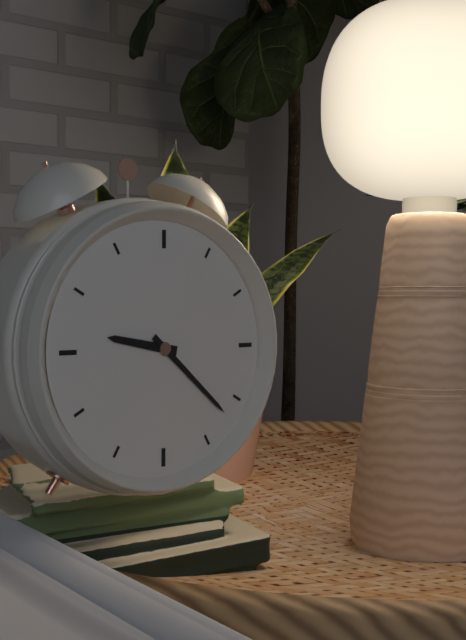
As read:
9:22
